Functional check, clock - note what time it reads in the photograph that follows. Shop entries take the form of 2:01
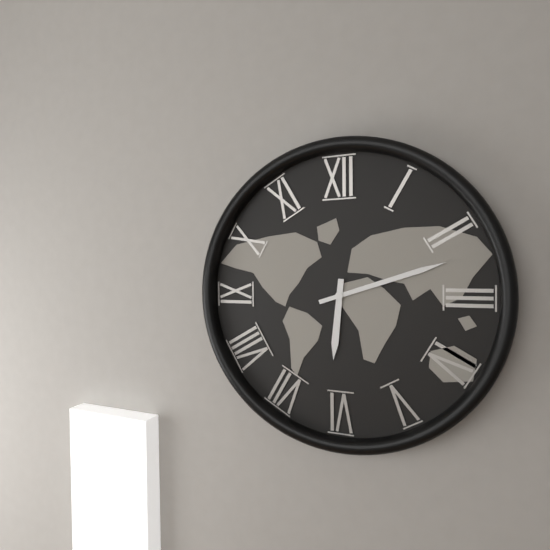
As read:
6:12
